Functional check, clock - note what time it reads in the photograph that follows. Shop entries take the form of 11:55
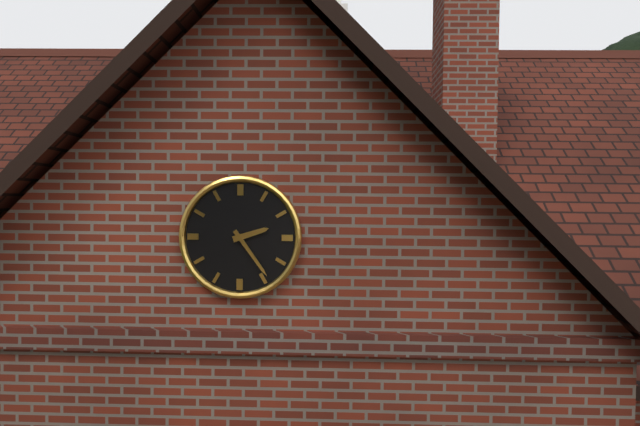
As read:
2:24
